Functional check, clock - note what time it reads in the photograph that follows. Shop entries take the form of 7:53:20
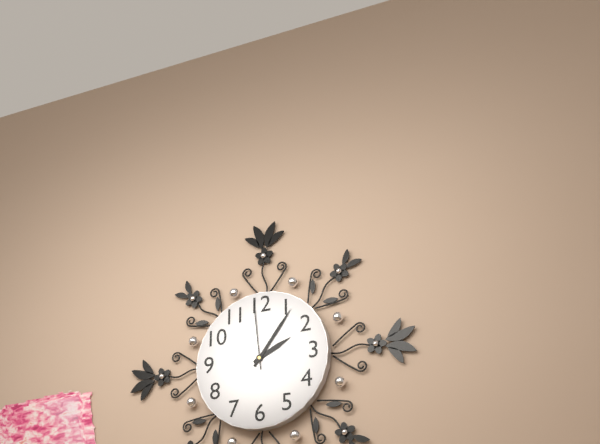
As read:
2:06:59
